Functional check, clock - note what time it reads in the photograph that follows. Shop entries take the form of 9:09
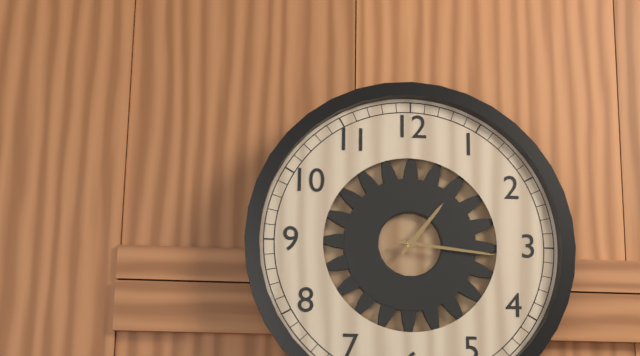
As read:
1:16
